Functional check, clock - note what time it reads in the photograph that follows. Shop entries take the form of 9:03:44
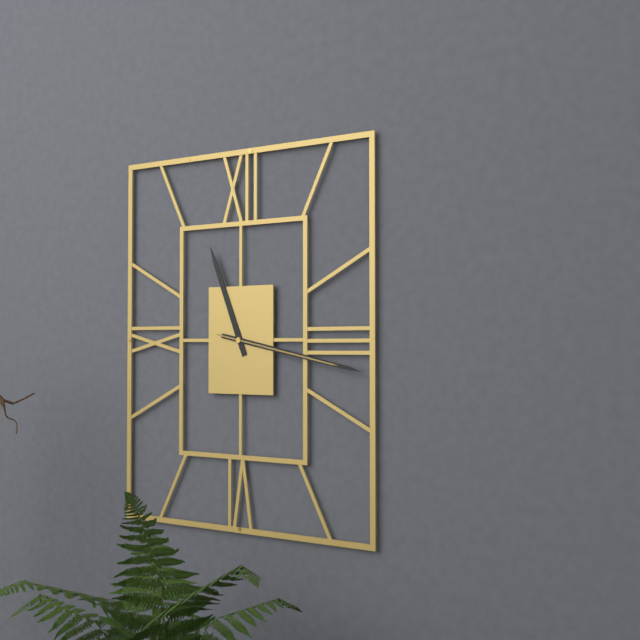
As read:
11:17:17
